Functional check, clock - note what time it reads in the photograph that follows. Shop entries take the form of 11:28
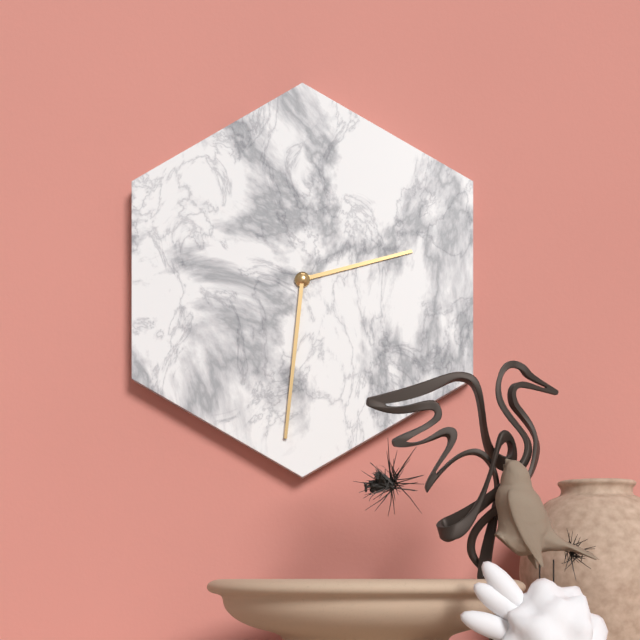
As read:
2:31
